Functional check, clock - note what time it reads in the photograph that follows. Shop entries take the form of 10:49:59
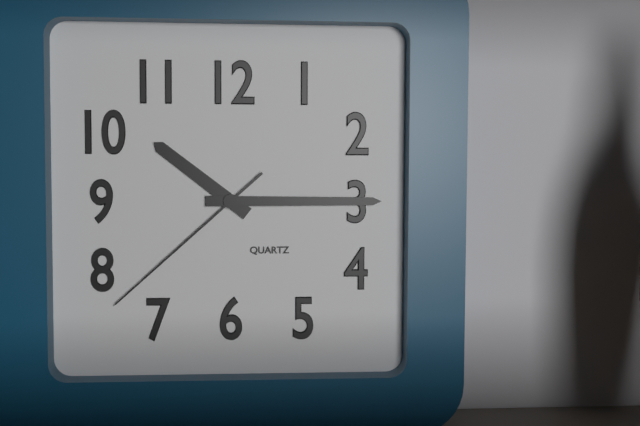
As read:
10:15:38
